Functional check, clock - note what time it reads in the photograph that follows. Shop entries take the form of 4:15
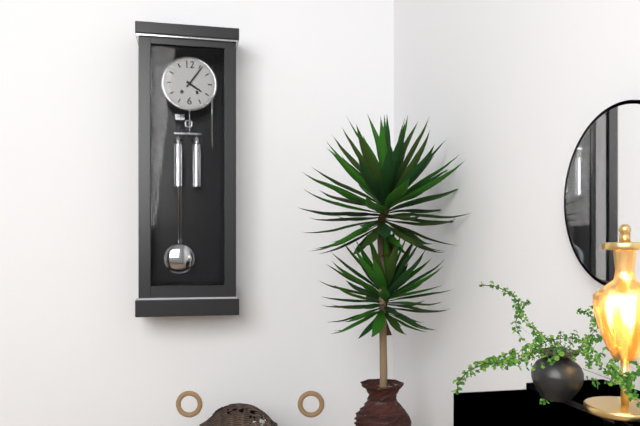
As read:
4:06
